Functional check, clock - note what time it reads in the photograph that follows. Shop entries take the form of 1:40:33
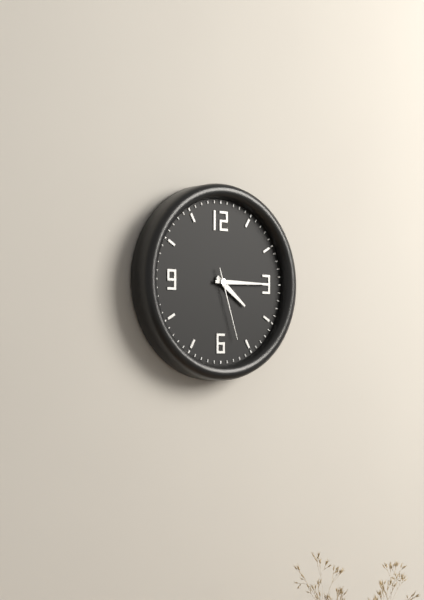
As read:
4:15:27
